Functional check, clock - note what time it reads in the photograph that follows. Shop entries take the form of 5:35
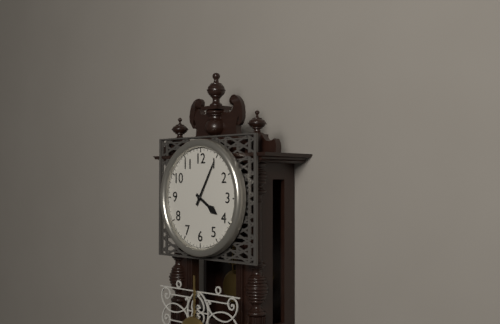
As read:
4:05
